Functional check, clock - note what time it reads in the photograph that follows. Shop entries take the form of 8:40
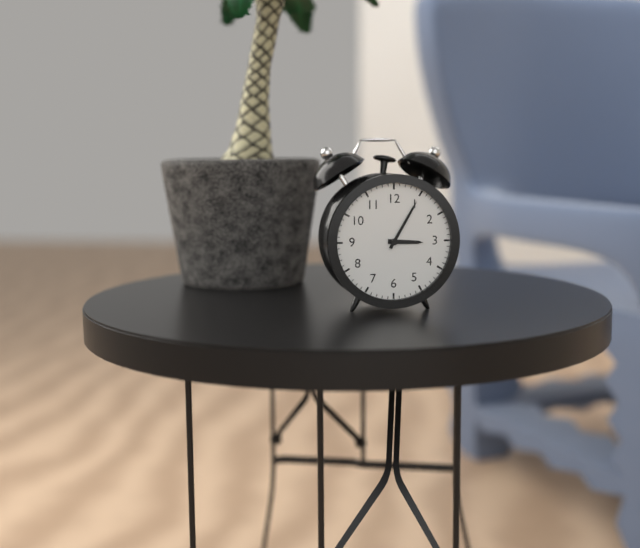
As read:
3:05
